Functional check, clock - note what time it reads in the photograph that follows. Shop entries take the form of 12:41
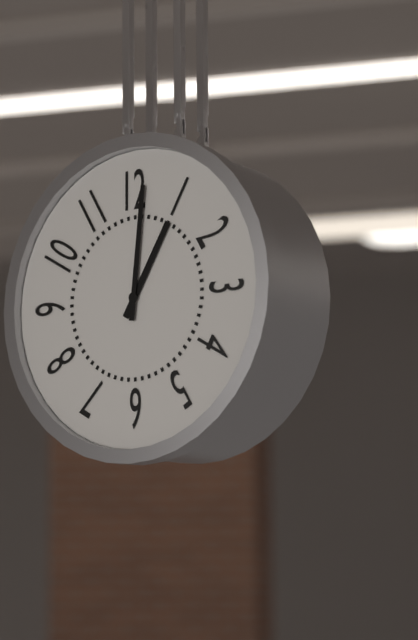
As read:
1:01
